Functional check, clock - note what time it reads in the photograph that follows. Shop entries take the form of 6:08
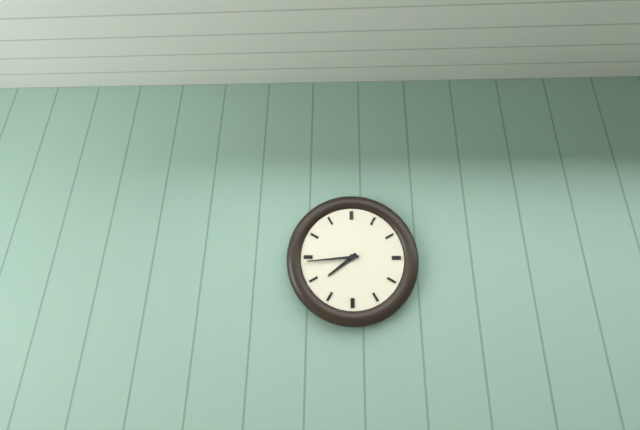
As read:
7:44
